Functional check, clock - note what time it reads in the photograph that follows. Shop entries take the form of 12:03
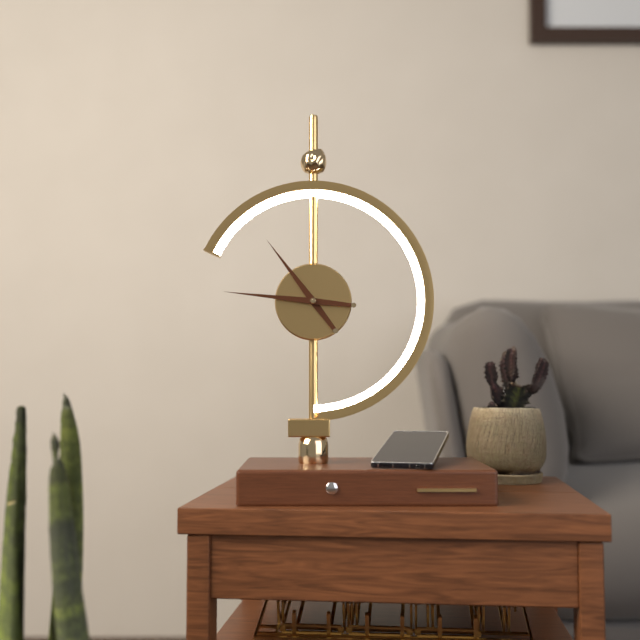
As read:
10:46
